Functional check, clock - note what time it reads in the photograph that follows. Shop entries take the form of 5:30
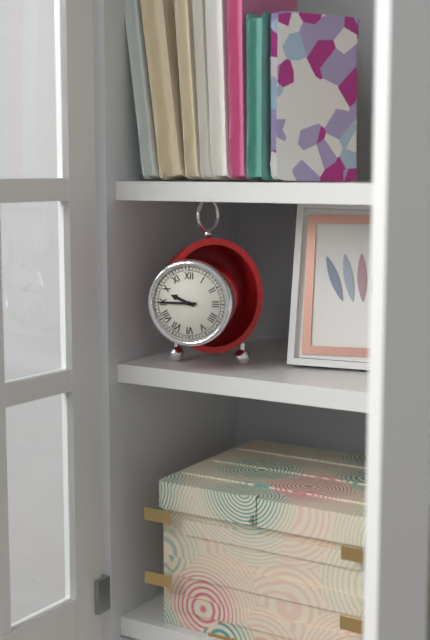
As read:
9:45
